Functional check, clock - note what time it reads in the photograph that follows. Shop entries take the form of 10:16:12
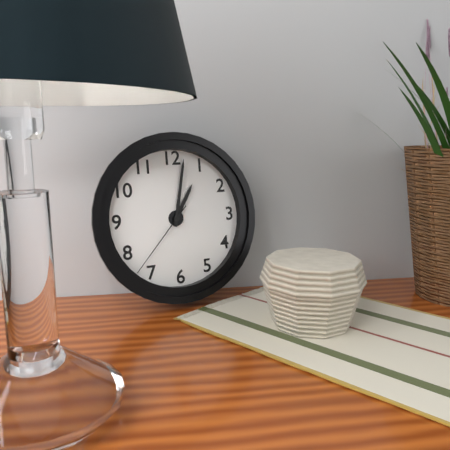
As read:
1:02:37
